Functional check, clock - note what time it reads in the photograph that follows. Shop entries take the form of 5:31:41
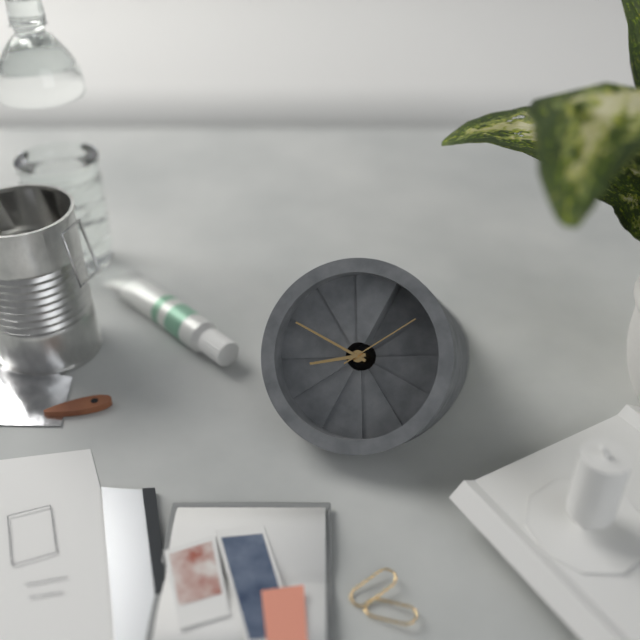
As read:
7:45:05
